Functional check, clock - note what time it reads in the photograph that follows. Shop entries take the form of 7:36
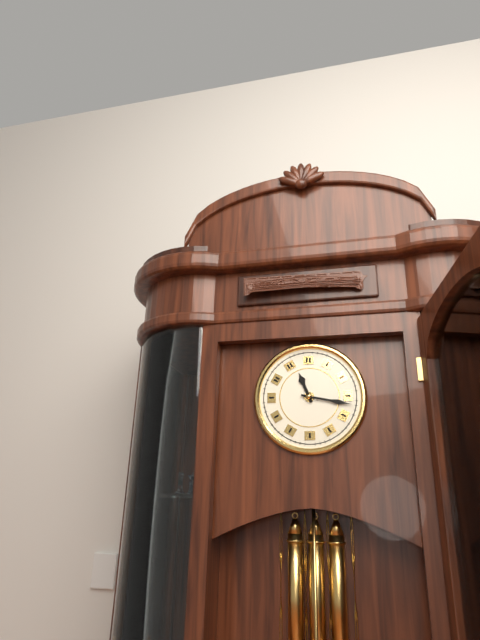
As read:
11:17
